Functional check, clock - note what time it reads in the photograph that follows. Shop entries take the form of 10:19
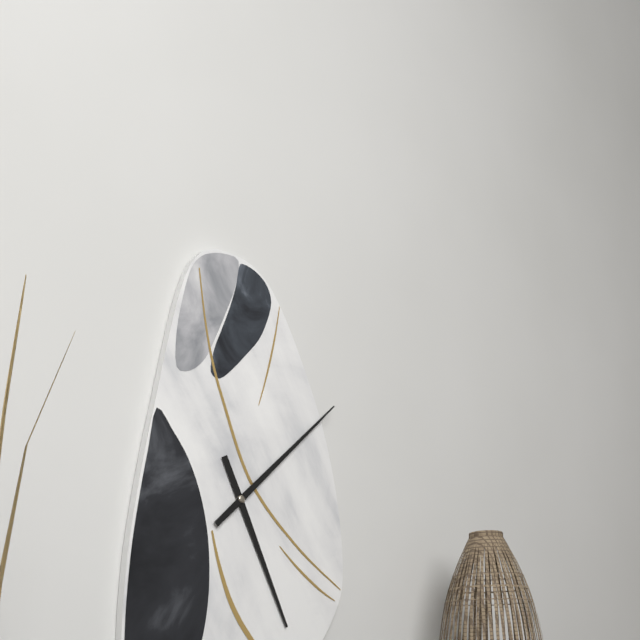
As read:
5:08
